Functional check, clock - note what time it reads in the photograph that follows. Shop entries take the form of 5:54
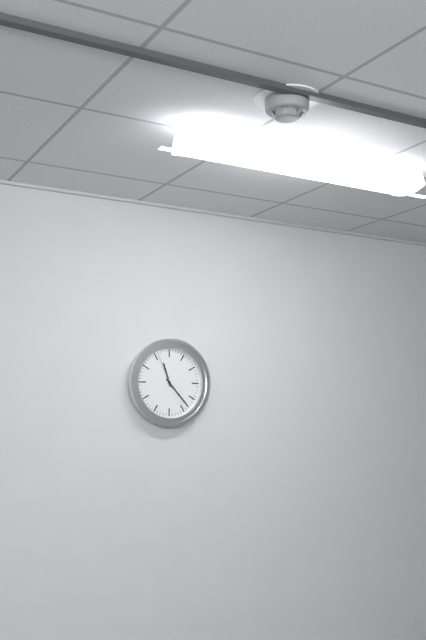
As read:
11:23
